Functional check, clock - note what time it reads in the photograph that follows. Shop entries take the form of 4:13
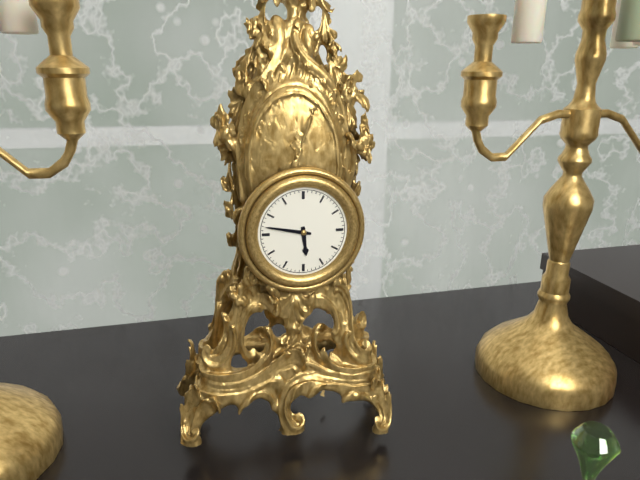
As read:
5:47
